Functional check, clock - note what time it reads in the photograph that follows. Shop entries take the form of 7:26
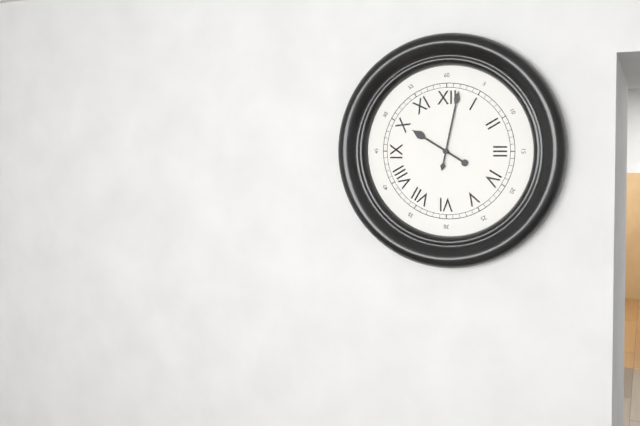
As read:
10:02
